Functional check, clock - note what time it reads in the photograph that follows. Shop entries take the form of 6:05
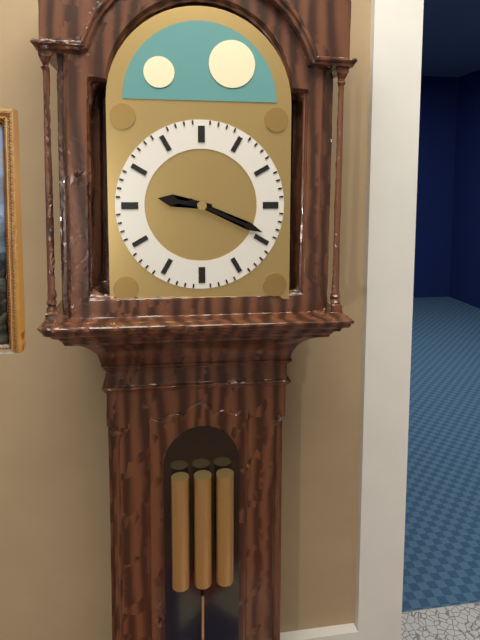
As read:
9:19
